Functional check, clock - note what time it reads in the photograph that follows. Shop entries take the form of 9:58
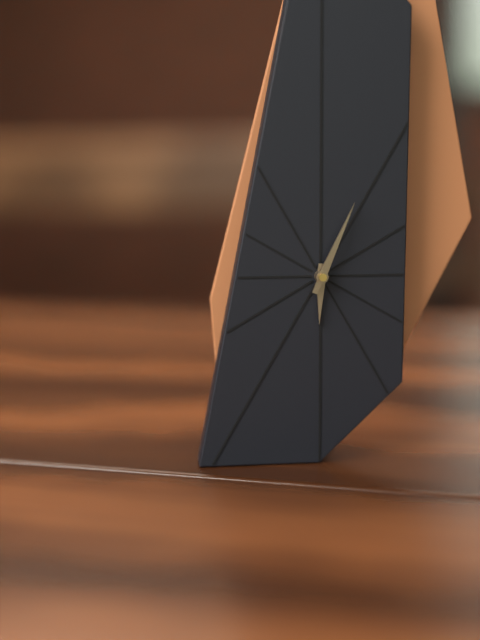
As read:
6:04
